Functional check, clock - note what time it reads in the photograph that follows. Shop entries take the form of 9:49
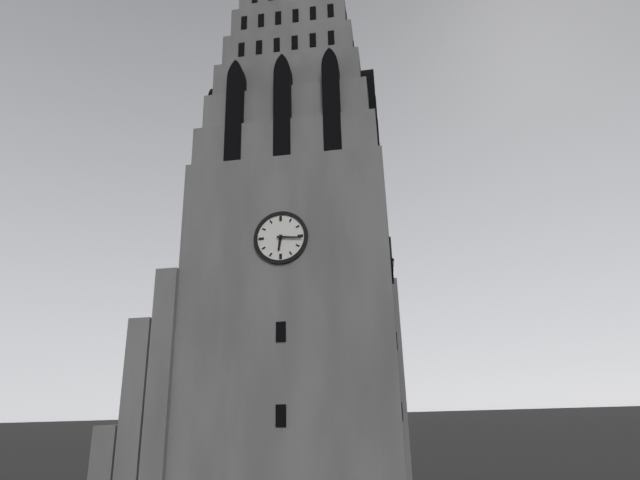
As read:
6:16
